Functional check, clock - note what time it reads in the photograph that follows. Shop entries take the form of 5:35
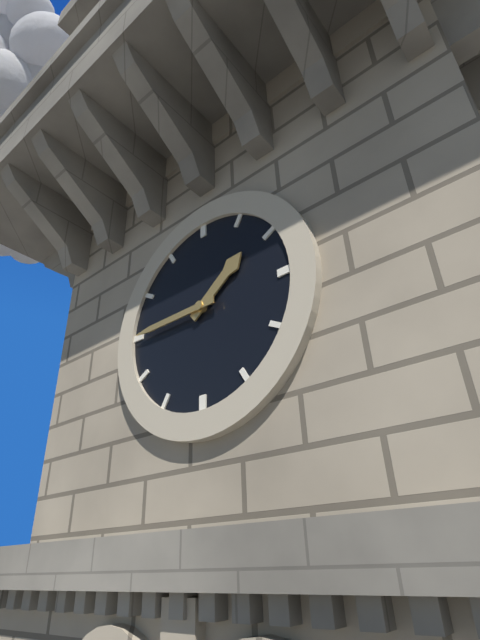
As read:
1:45
